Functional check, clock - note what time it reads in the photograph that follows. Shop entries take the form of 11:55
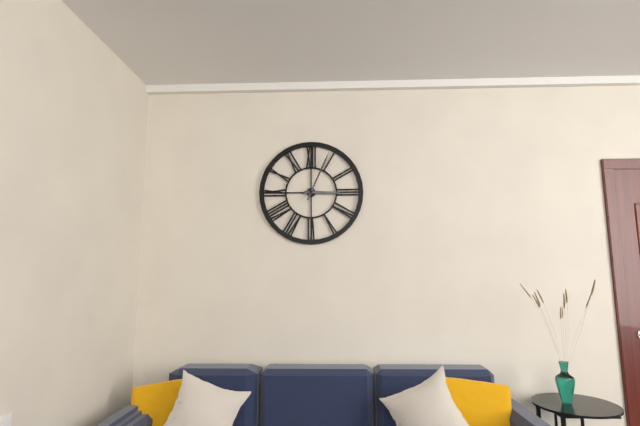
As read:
3:04
